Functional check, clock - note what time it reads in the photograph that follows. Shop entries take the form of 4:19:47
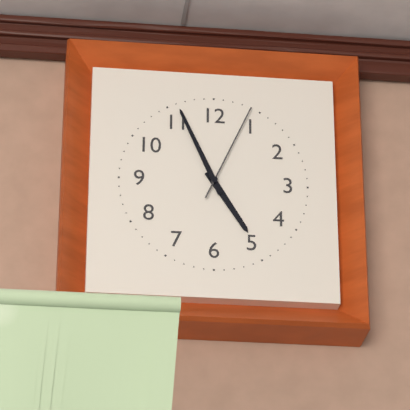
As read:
4:56:04
